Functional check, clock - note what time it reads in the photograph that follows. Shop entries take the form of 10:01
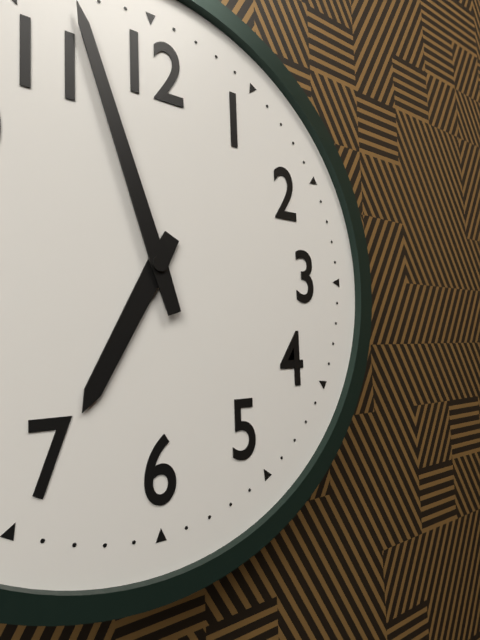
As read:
6:57
